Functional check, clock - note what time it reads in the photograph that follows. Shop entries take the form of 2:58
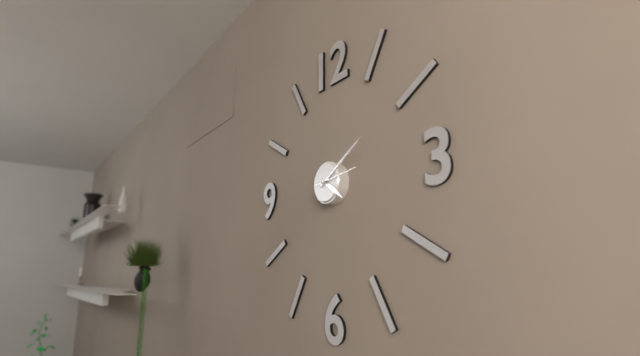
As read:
4:10
